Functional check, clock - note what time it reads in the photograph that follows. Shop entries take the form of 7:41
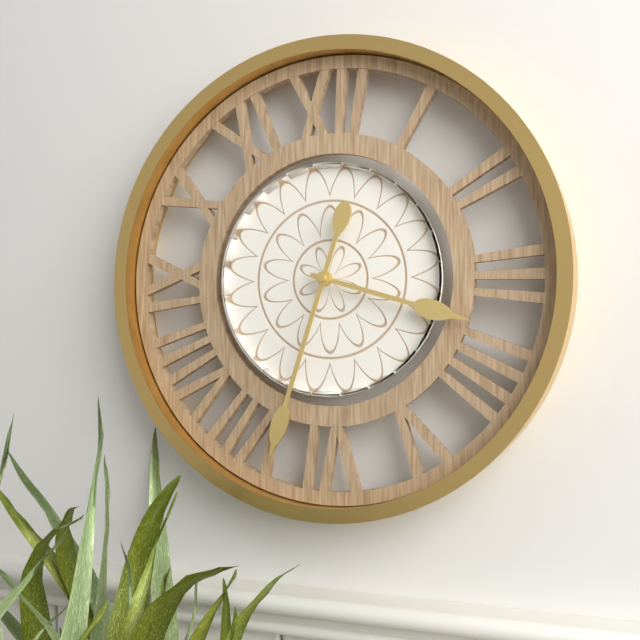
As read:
3:33
